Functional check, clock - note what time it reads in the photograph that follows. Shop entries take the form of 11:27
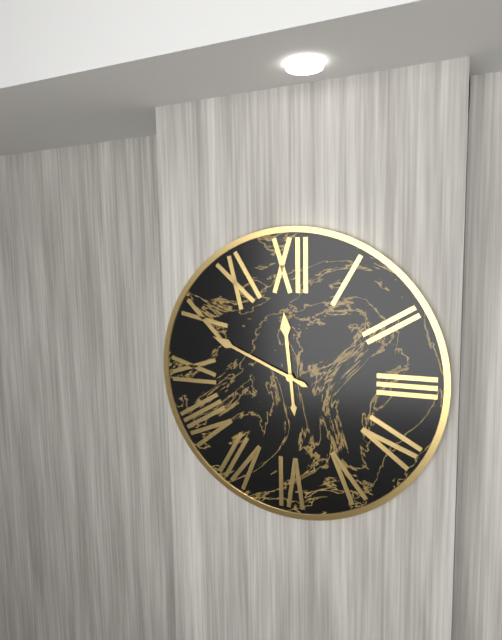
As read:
11:49
